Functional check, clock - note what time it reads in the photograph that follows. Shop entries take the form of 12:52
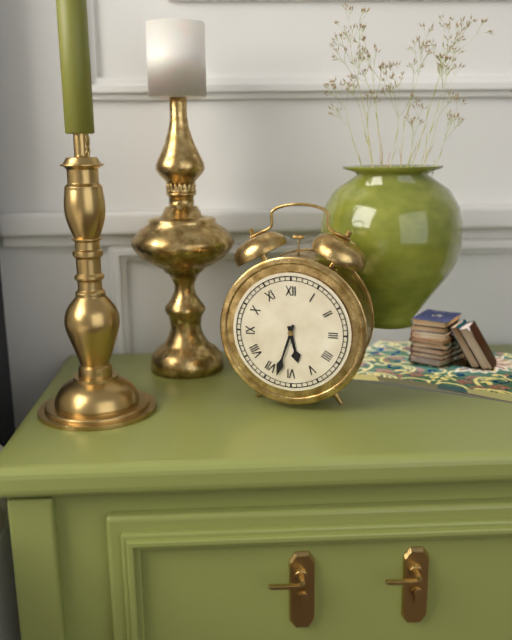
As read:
5:33
